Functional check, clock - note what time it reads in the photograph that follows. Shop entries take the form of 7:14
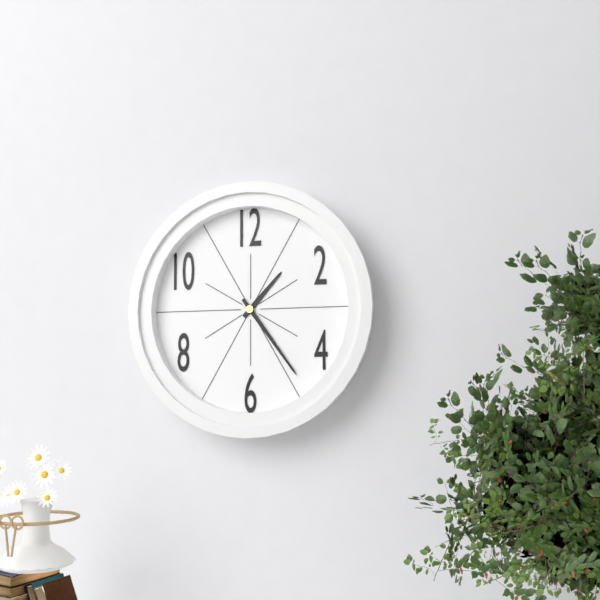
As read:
1:24
